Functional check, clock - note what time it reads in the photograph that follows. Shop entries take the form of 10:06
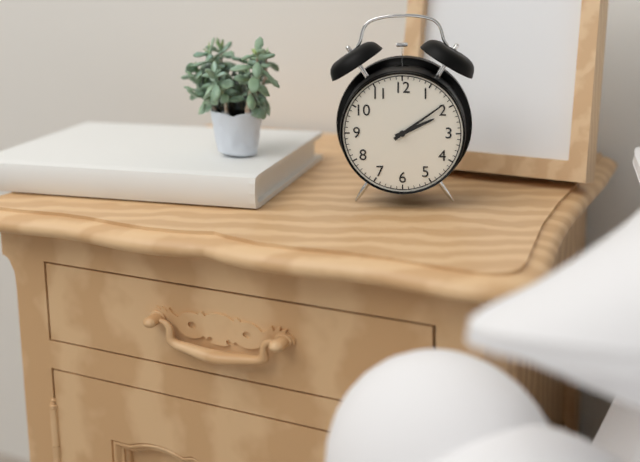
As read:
2:09
